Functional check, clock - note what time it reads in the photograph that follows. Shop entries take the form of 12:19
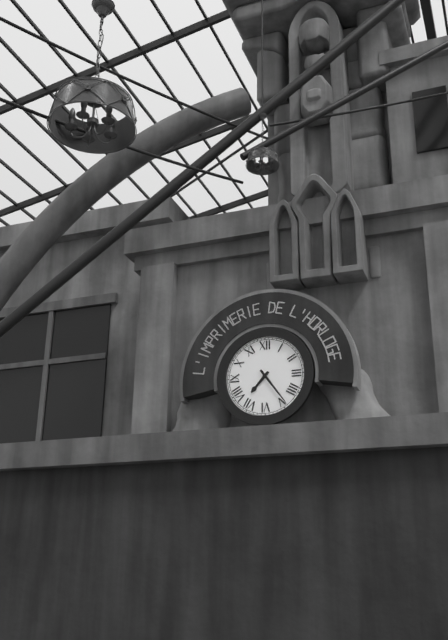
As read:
7:24
